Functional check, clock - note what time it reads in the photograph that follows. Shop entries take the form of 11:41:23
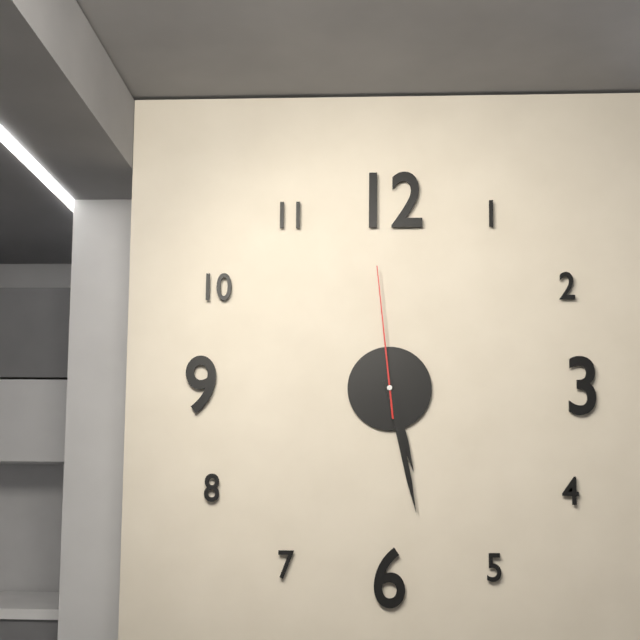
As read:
5:28:59
